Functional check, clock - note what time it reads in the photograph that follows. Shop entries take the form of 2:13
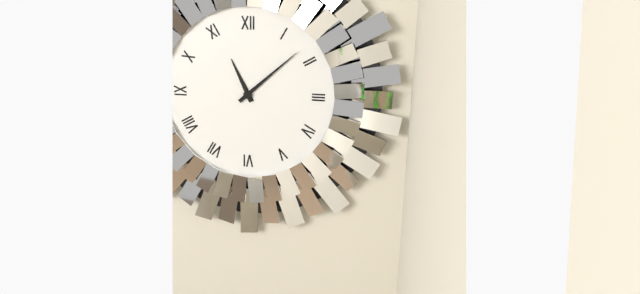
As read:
11:08
